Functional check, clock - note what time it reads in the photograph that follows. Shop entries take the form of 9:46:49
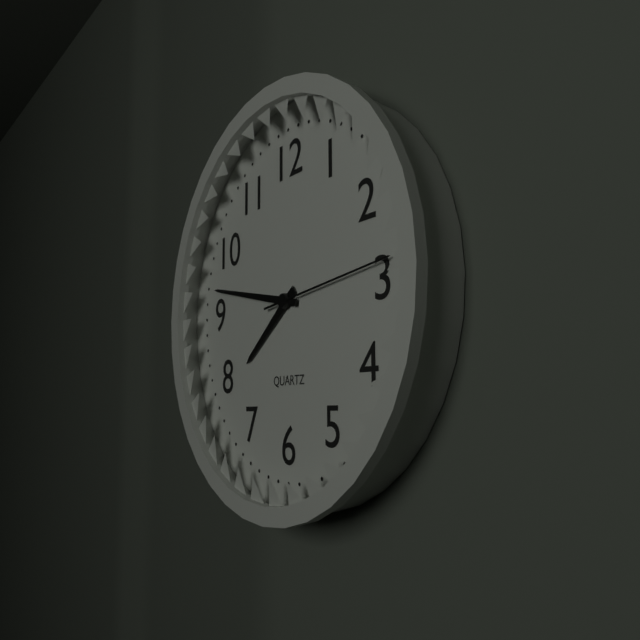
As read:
7:47:14
